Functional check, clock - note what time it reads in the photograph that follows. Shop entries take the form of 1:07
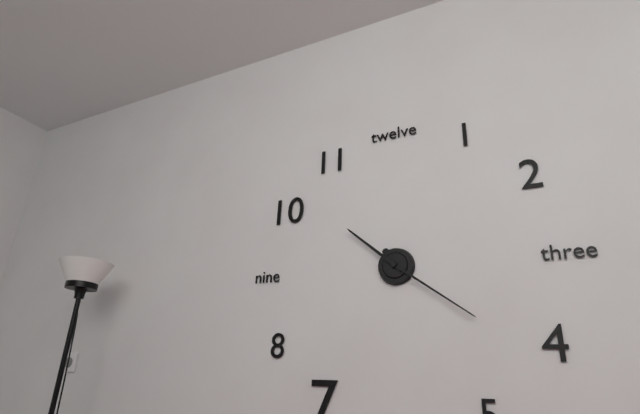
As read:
10:21
